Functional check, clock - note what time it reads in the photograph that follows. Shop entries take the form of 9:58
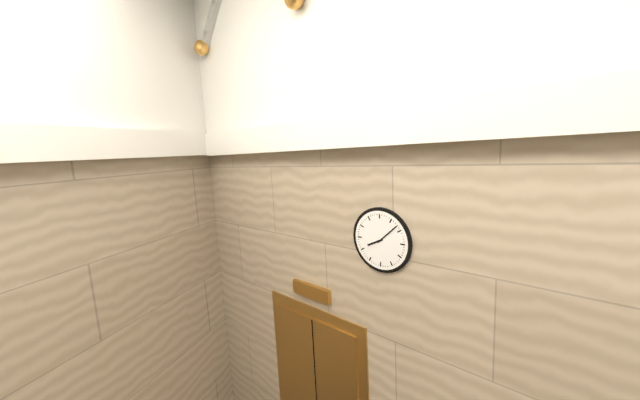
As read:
8:08
